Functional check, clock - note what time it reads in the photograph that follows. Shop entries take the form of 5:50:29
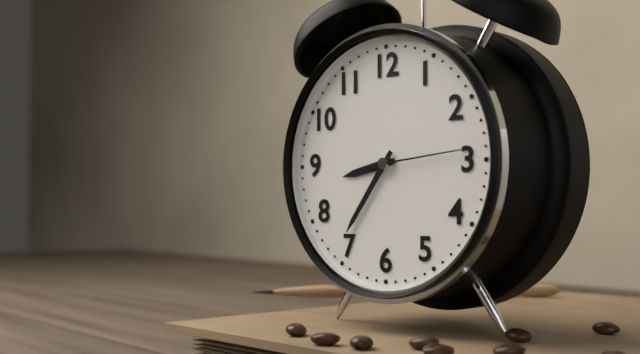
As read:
8:36:14
